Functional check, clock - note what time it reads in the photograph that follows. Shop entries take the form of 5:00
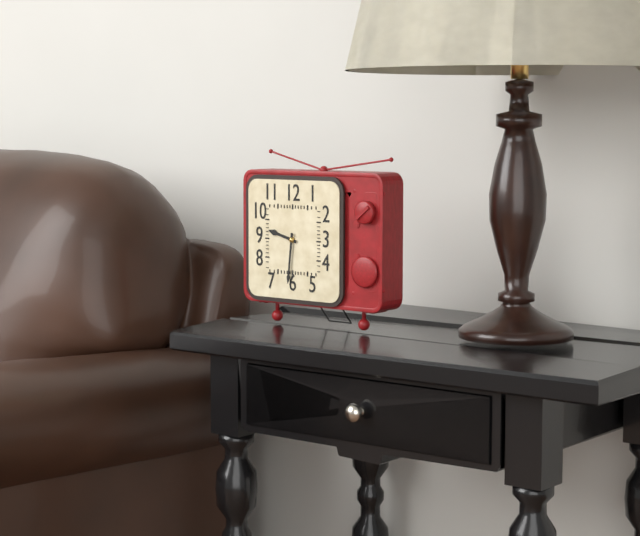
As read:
9:31
